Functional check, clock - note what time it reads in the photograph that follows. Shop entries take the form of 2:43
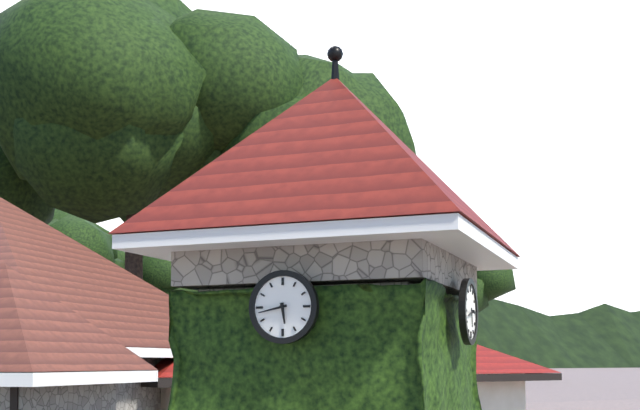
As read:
5:43
